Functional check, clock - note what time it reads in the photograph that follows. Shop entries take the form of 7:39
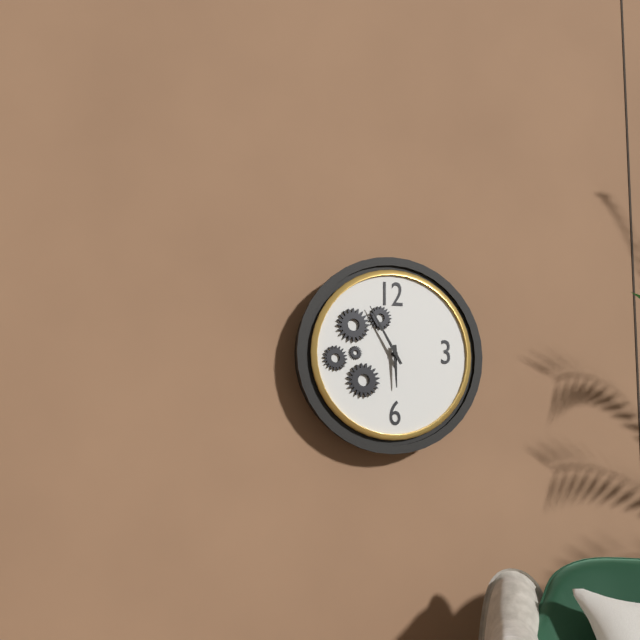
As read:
5:55
